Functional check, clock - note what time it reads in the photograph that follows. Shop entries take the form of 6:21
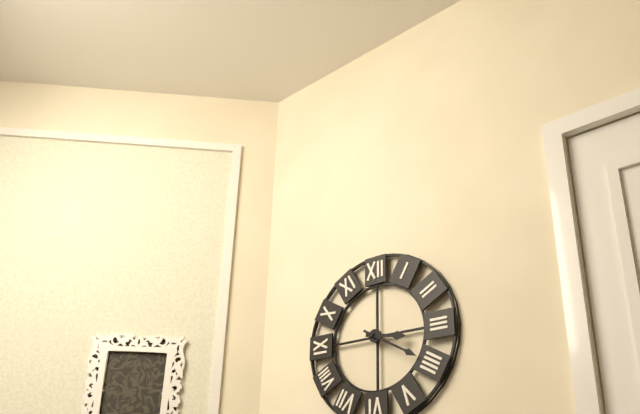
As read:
3:20
